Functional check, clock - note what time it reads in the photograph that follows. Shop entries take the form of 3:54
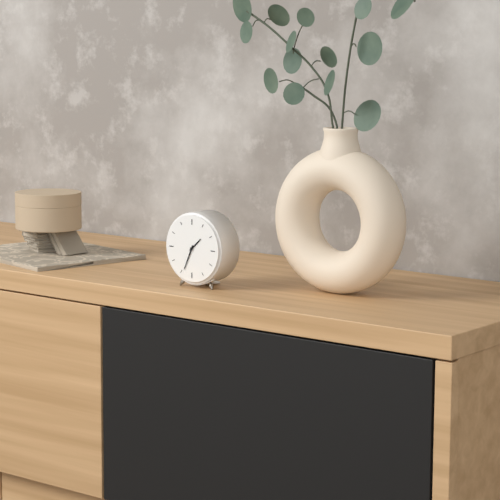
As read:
1:34
